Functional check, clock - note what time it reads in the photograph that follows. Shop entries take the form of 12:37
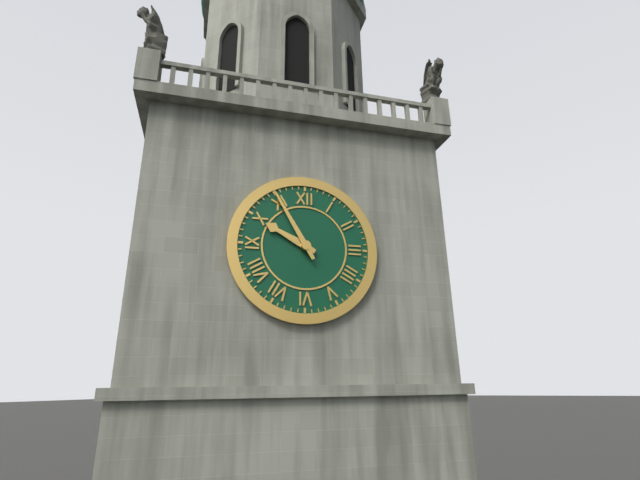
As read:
9:55
